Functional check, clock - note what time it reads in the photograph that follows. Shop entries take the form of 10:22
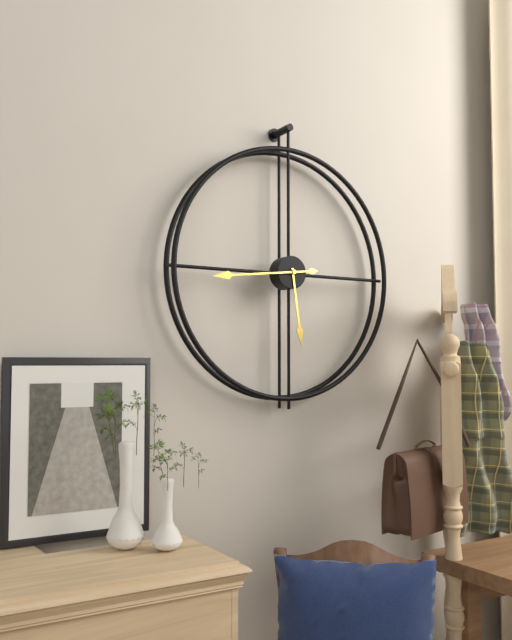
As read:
5:44
